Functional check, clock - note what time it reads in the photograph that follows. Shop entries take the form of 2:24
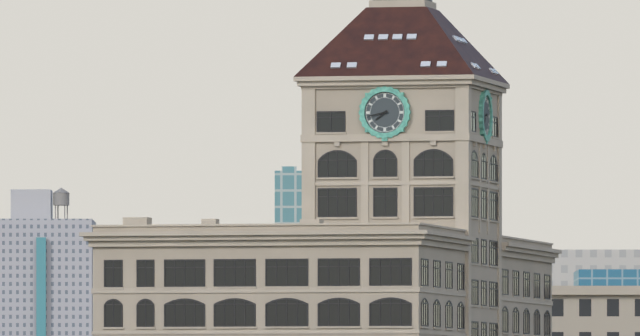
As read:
7:43
